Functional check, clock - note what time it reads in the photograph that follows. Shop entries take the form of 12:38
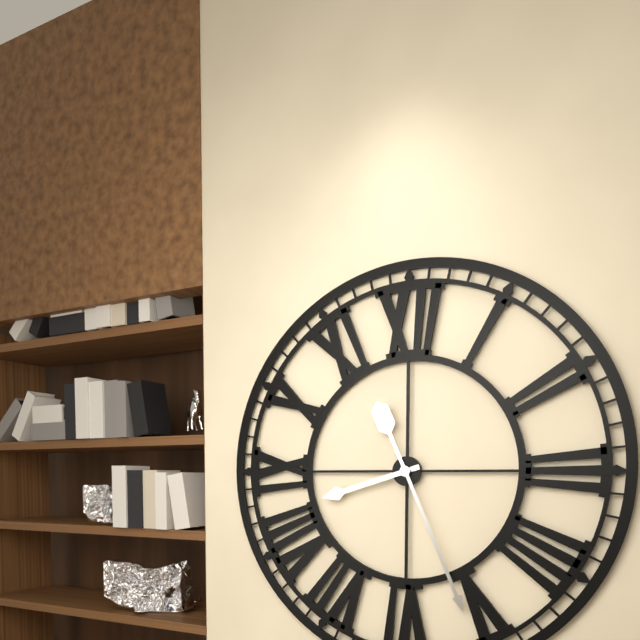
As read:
8:26
